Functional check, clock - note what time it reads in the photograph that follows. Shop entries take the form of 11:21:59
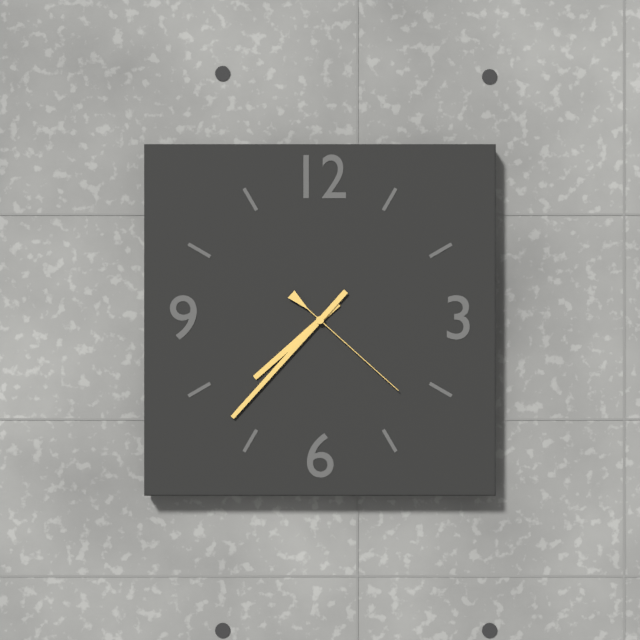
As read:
7:37:22
